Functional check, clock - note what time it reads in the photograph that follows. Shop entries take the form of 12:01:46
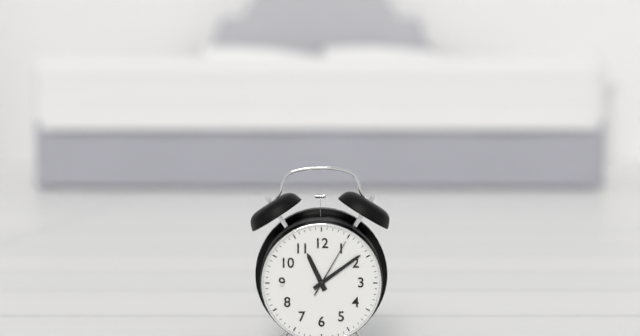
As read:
11:09:05
